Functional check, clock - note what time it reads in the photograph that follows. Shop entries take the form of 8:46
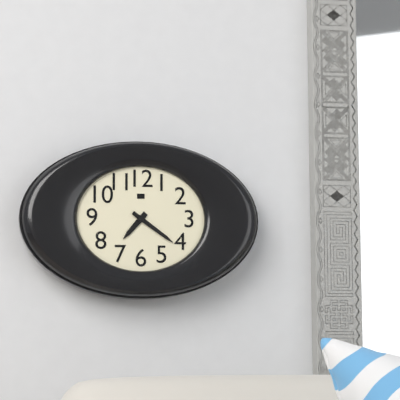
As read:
7:21
